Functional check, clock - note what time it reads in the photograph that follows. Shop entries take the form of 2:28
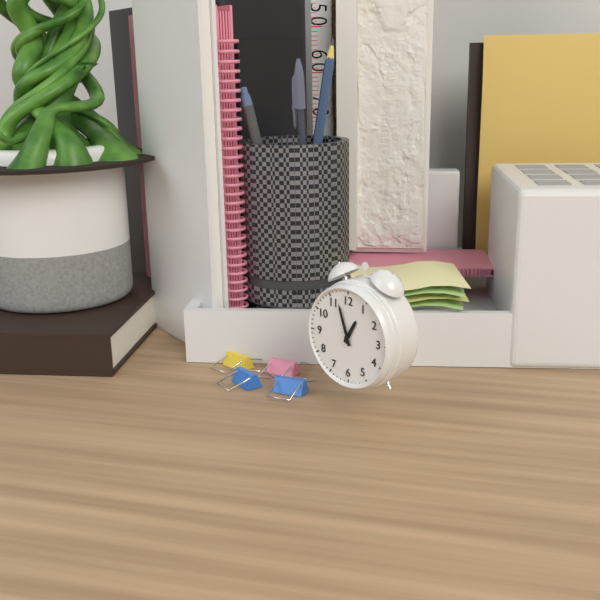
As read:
12:57
